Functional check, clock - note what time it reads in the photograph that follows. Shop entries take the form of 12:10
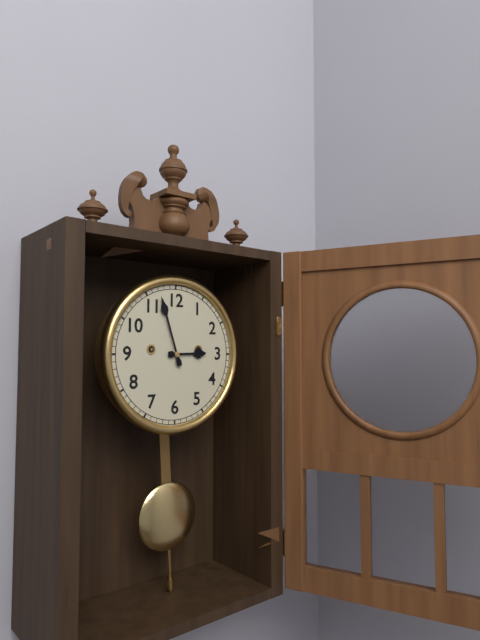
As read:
2:57
